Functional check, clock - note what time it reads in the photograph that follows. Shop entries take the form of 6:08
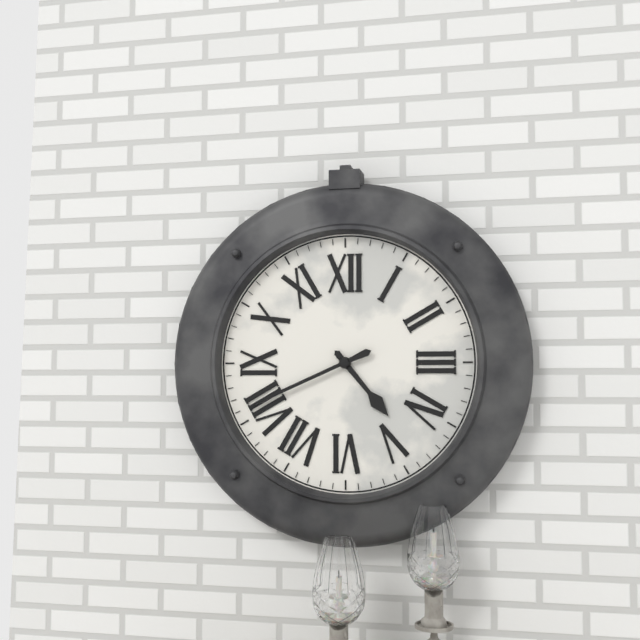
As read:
4:41
